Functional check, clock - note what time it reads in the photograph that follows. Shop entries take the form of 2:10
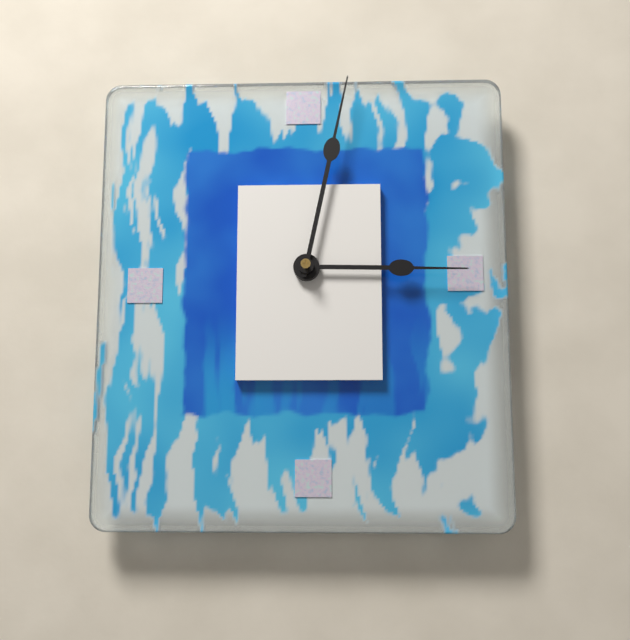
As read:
3:02
